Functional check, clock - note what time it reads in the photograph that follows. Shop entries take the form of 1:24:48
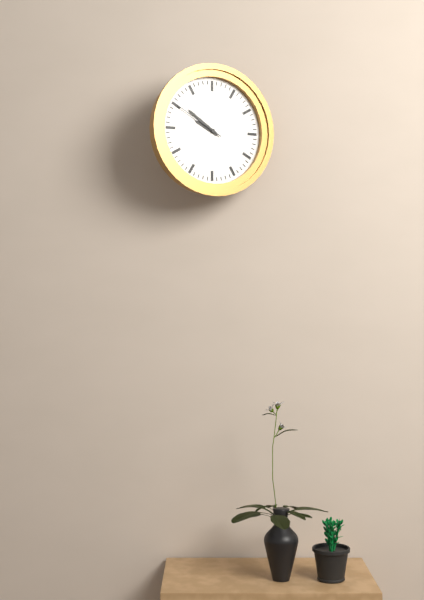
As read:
9:51:50
